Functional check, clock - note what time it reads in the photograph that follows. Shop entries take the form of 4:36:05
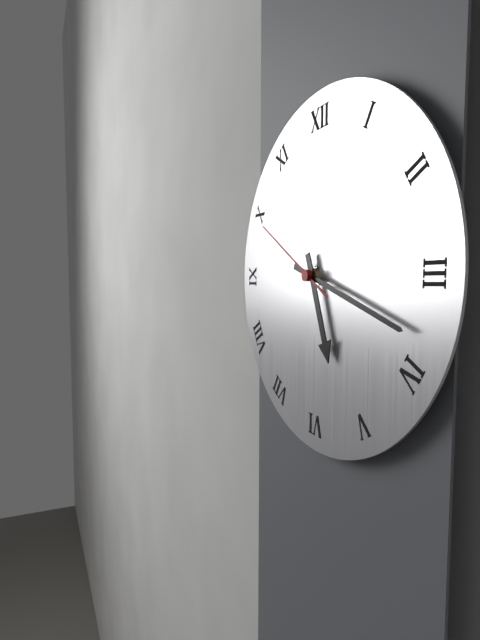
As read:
5:18:50
